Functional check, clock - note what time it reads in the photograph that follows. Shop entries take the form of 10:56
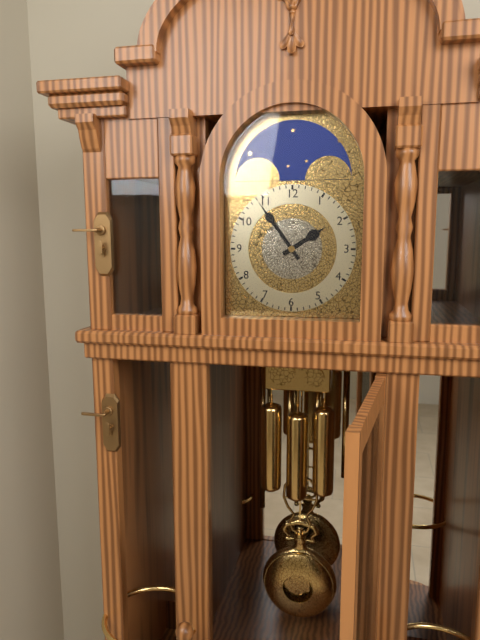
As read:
1:54
